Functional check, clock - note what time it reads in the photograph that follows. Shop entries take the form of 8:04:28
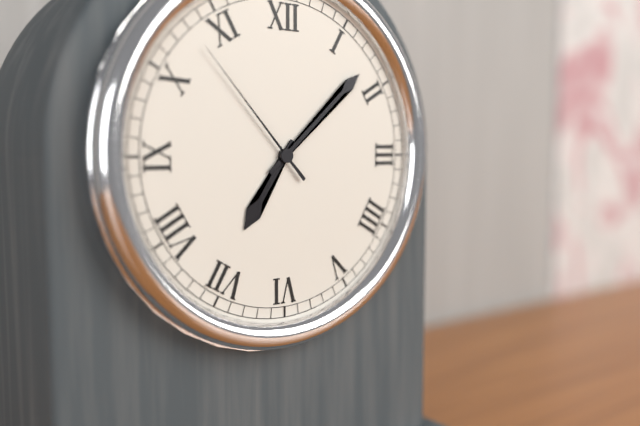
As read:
7:08:53
